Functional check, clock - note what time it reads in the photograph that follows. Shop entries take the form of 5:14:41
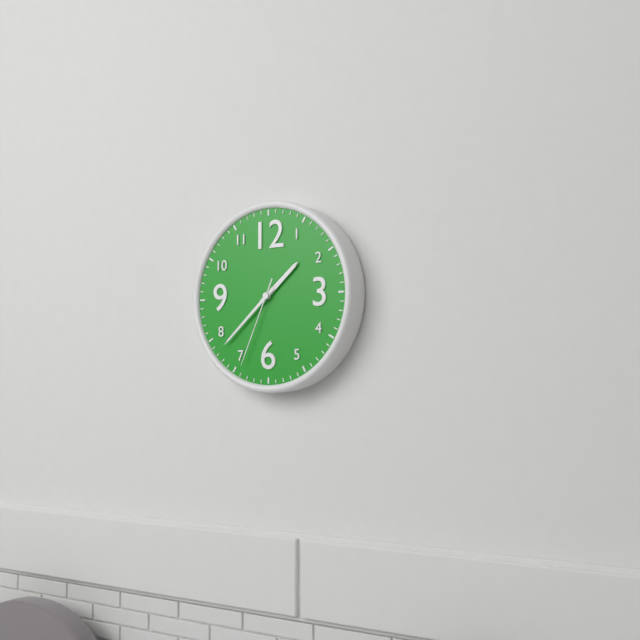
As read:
1:38:34
